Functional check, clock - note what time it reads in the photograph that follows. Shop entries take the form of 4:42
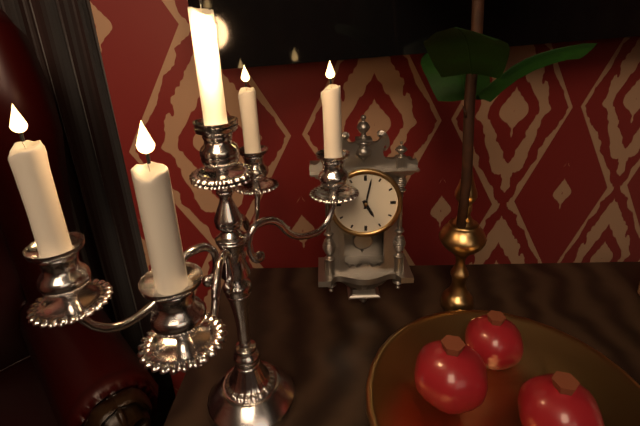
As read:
5:02
